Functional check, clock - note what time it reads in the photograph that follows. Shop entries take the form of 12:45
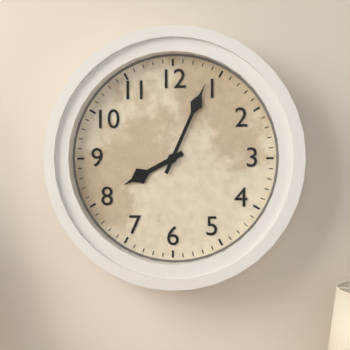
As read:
8:04
